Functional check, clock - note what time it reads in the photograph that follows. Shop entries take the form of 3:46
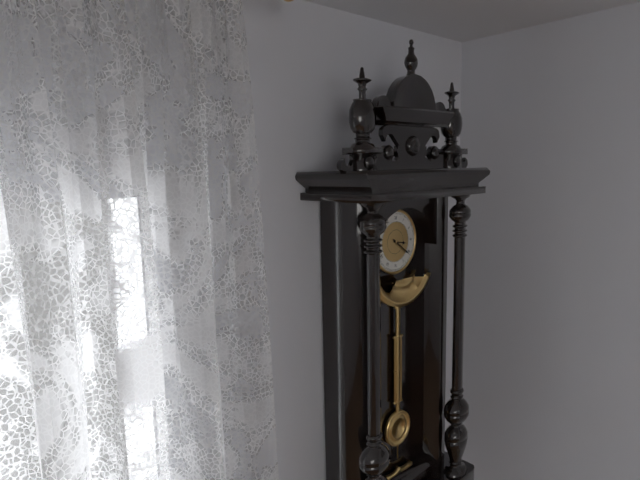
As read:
3:21
